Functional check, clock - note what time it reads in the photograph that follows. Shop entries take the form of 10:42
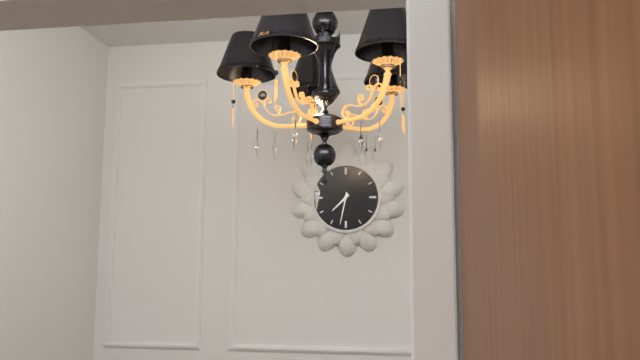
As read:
7:32
